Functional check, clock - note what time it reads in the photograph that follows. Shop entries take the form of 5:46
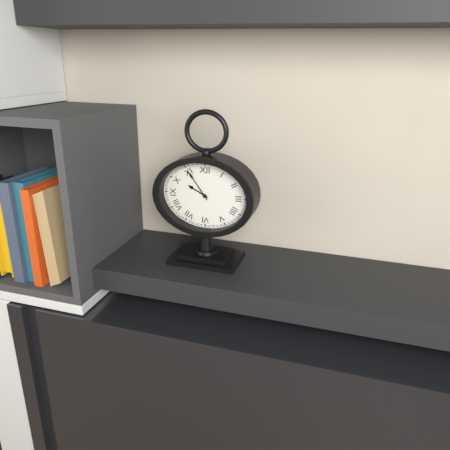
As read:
9:54
